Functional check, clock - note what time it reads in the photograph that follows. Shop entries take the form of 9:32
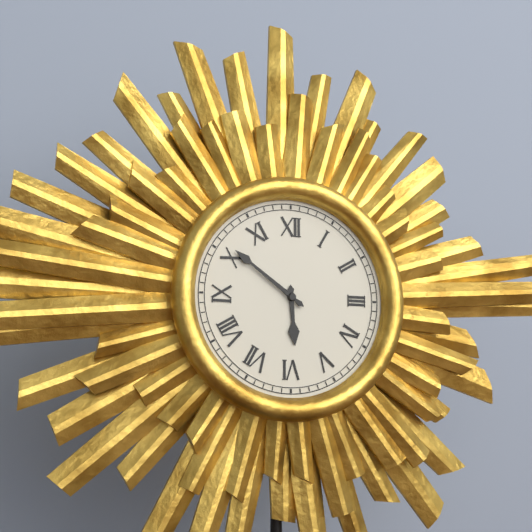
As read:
5:51
